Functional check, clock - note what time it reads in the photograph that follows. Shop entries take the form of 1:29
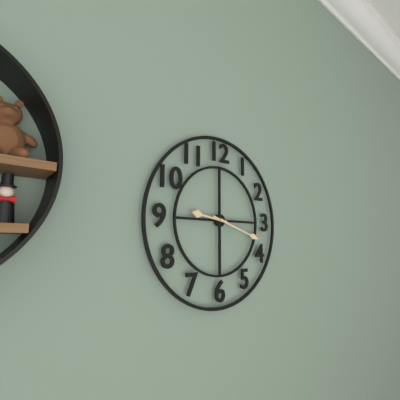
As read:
9:18
